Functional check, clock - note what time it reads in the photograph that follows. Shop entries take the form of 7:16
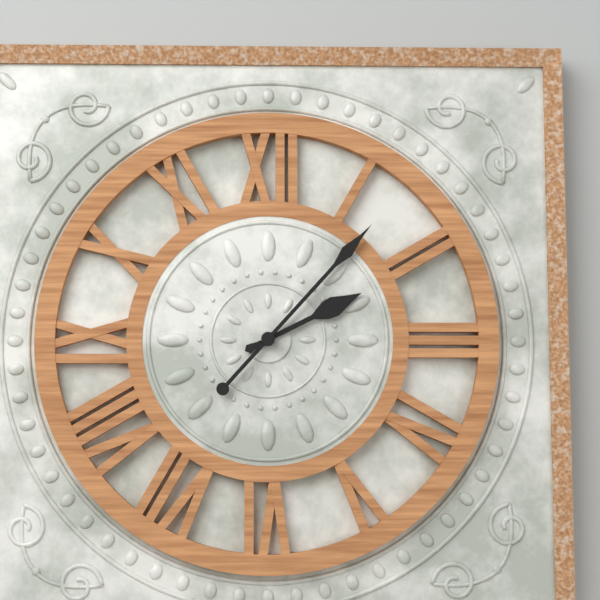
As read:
2:07
